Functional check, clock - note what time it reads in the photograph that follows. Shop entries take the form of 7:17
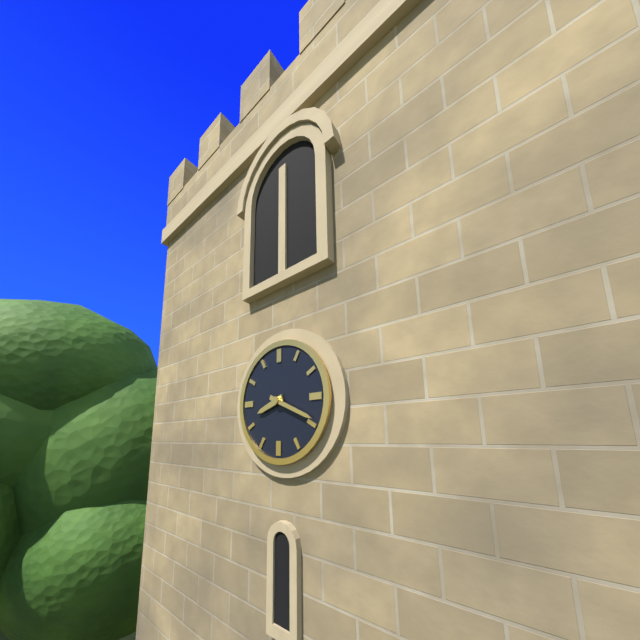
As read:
8:19
